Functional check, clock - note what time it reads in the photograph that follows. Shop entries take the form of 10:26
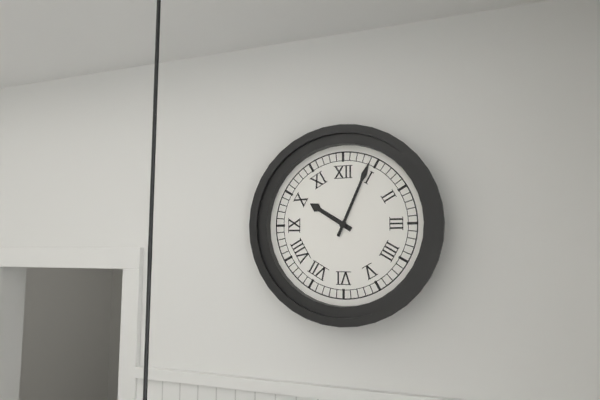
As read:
10:04
